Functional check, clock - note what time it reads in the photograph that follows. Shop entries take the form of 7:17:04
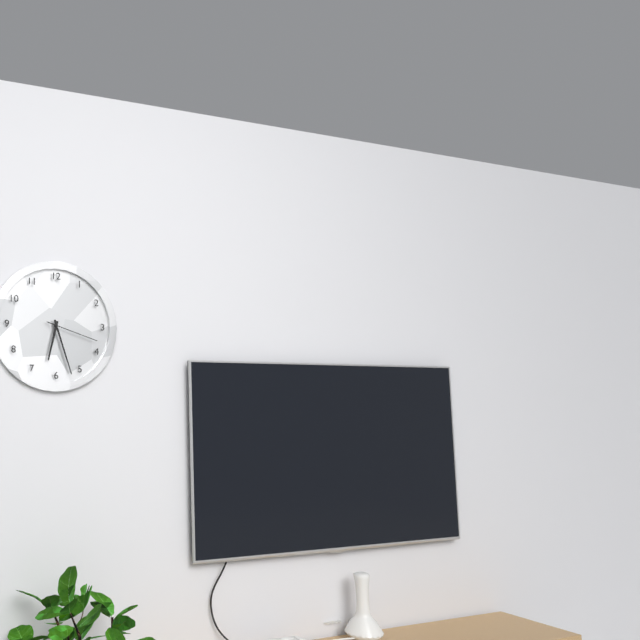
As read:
6:27:18
